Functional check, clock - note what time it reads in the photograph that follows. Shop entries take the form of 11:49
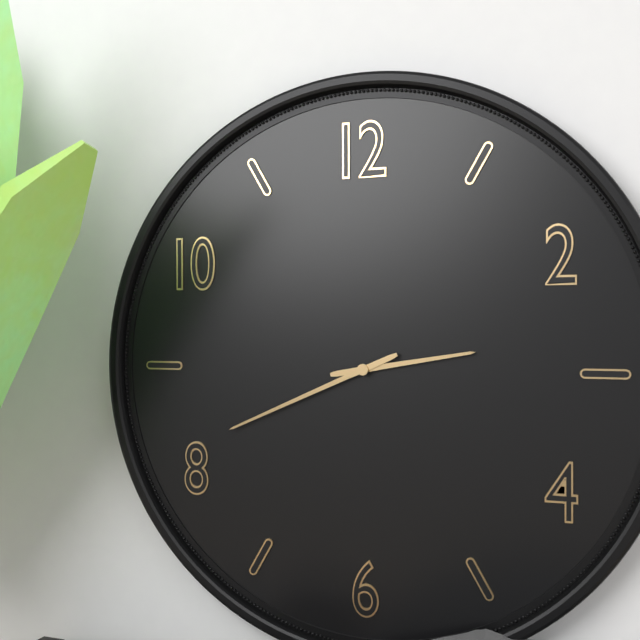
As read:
2:41
